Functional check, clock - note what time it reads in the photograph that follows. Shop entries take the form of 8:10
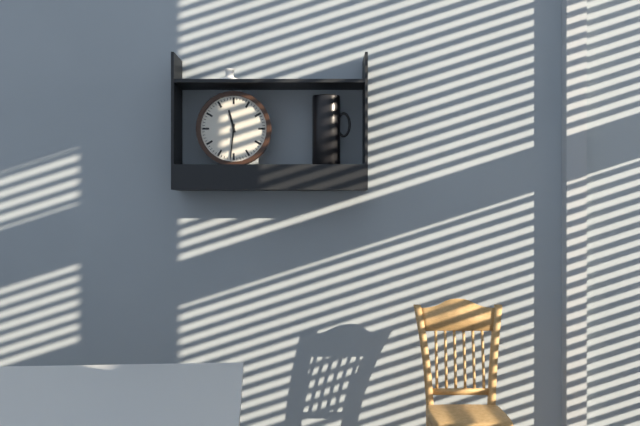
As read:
11:31
